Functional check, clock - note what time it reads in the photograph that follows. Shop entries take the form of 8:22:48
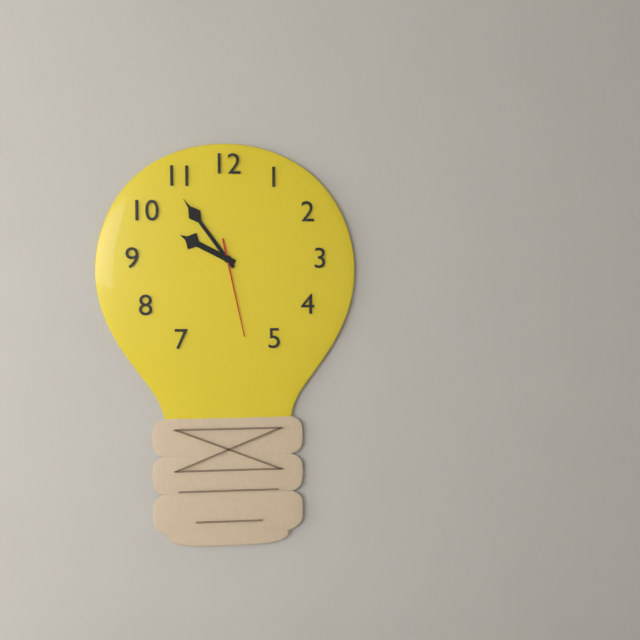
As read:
9:54:28
